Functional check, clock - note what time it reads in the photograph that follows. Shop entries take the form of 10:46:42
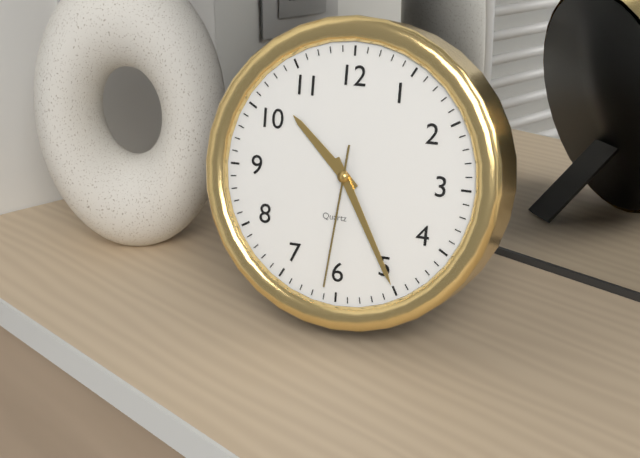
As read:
10:25:31
